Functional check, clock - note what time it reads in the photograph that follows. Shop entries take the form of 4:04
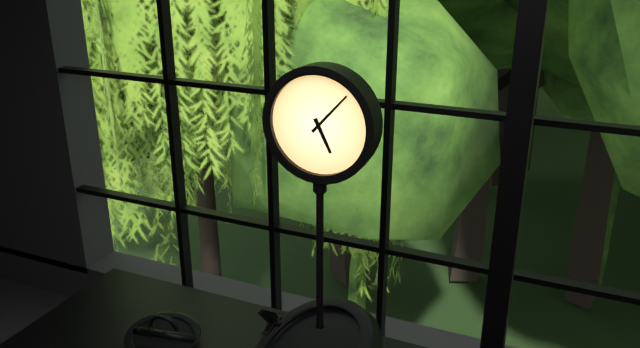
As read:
5:07
